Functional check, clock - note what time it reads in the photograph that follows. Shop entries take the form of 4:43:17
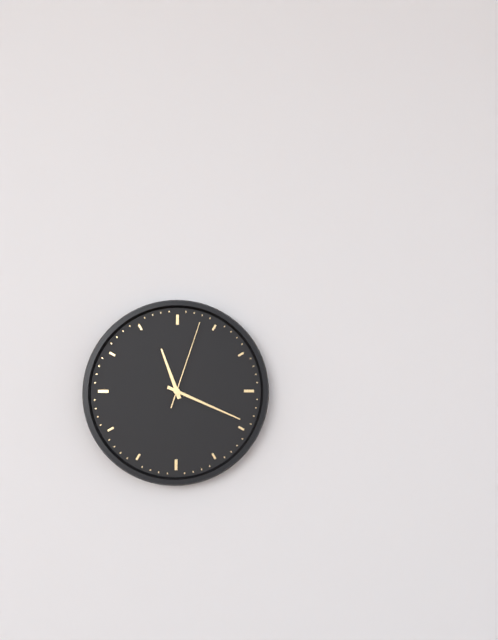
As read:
11:19:03
